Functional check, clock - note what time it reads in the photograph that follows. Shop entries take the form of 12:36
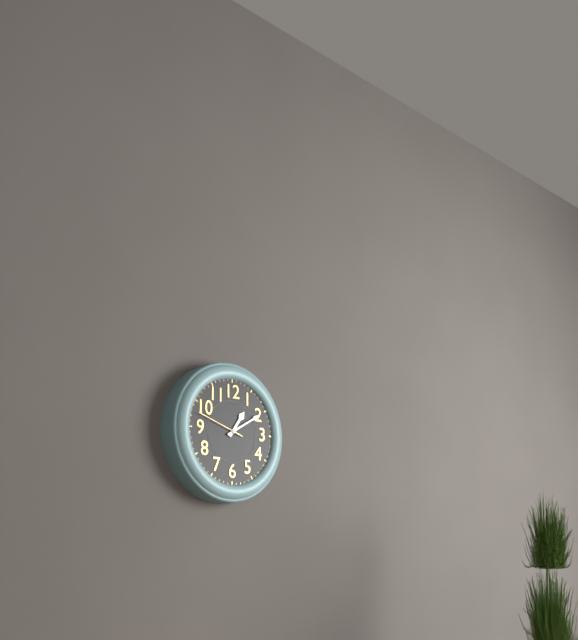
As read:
1:10
